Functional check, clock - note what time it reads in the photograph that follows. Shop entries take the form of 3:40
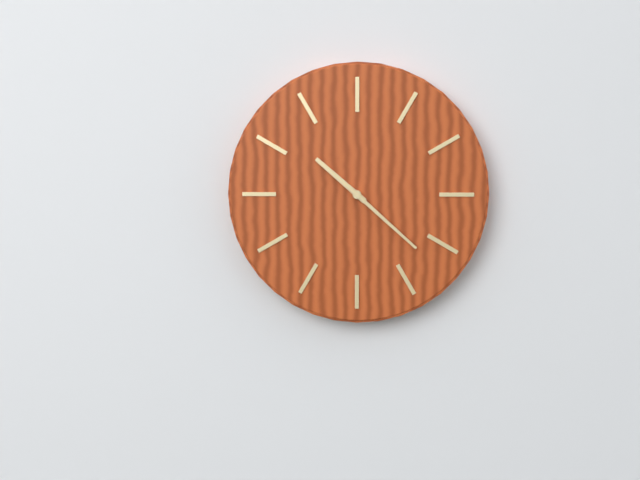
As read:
10:22
